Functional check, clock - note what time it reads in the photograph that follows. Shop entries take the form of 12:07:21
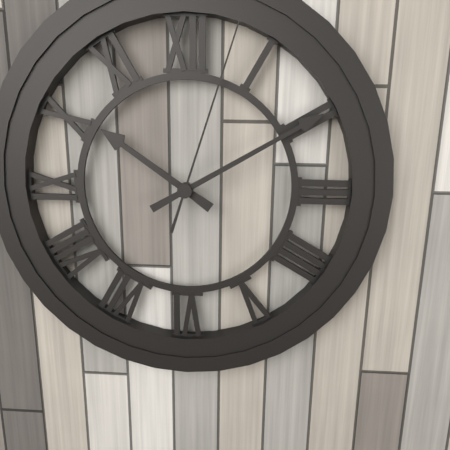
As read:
10:10:03
